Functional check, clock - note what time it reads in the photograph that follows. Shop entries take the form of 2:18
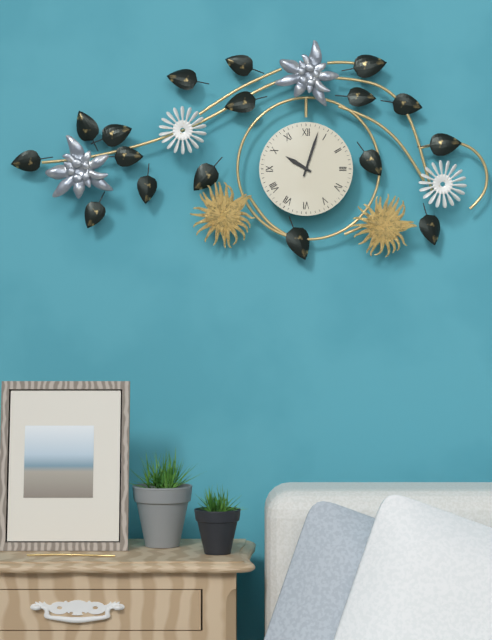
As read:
10:03
